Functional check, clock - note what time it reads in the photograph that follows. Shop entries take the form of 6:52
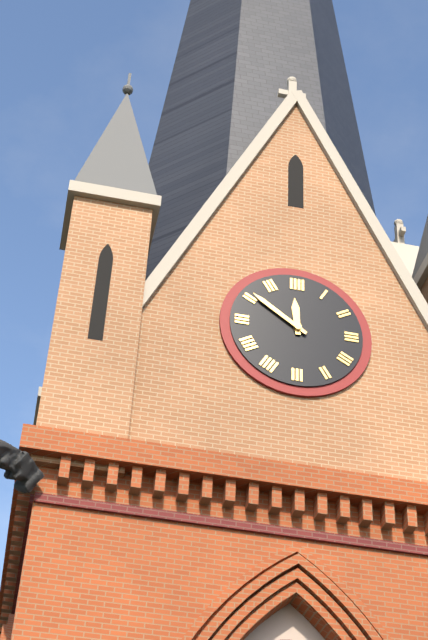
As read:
11:51
